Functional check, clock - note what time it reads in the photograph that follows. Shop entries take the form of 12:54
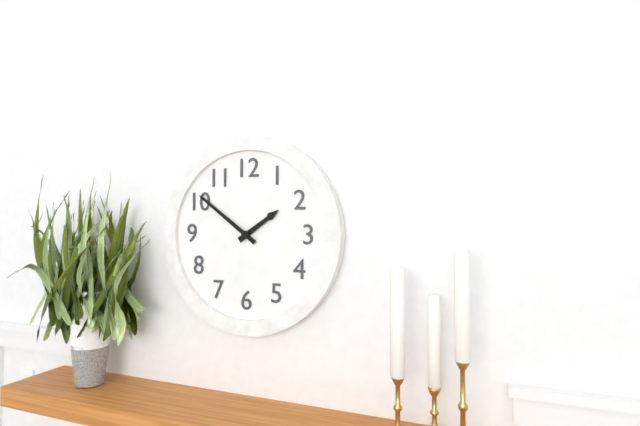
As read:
1:51
